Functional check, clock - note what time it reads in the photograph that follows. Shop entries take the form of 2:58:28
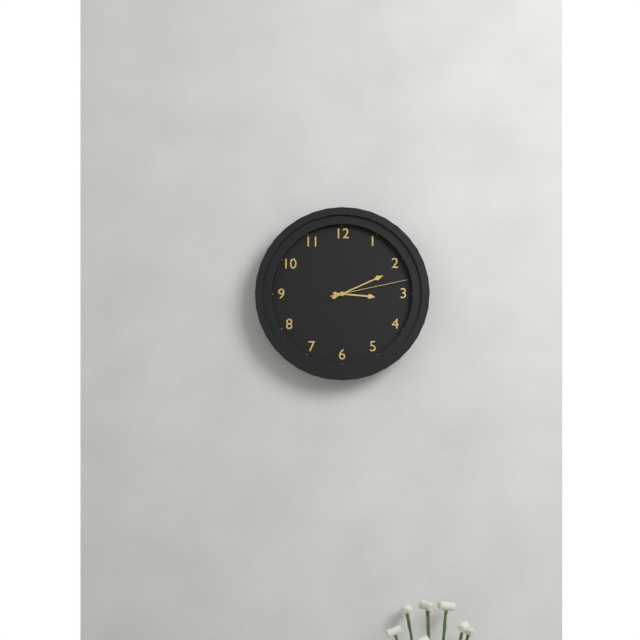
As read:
3:11:13
